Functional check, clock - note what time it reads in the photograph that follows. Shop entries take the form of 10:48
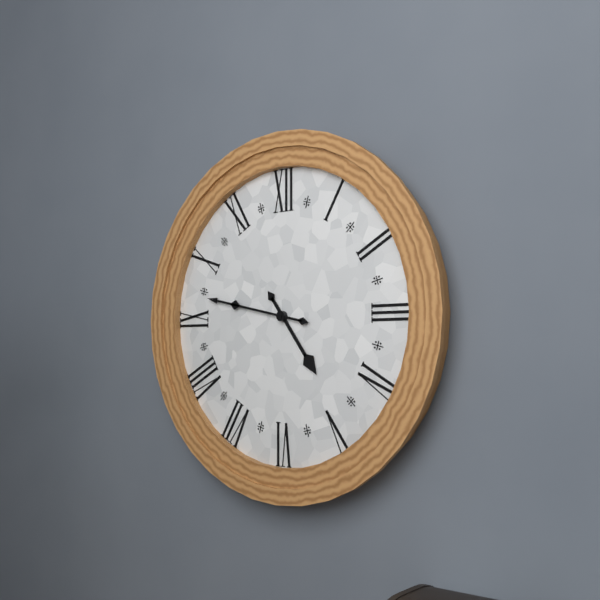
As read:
4:47
